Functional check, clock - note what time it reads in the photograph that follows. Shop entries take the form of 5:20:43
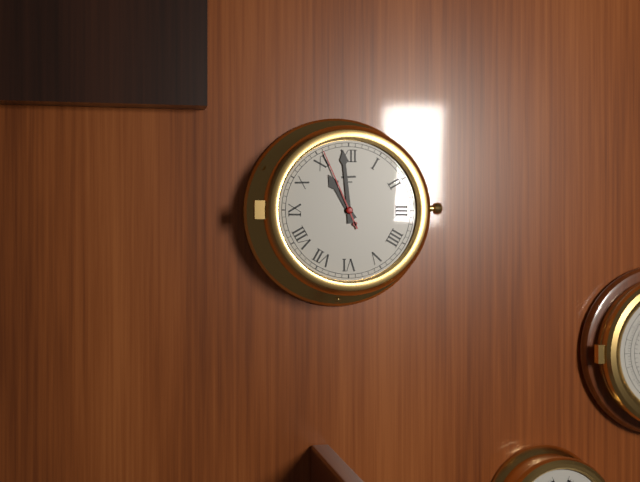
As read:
10:59:56
